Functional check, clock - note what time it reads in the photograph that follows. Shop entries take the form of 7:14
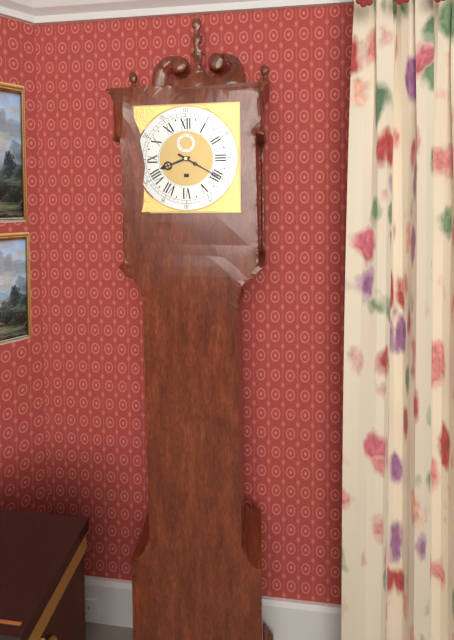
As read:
8:20
